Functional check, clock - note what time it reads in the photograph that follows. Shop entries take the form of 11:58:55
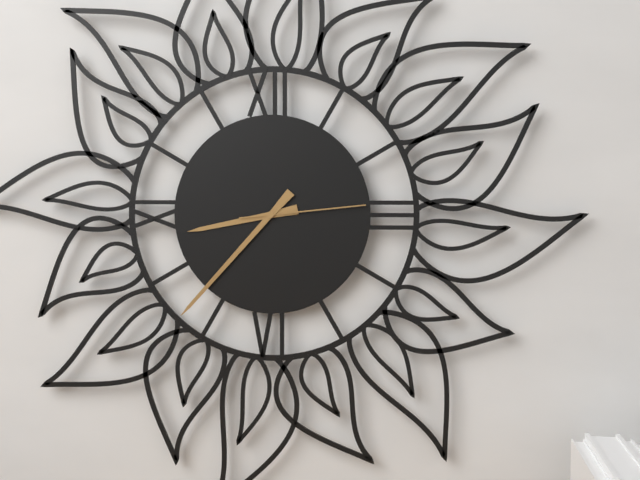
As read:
8:37:14
